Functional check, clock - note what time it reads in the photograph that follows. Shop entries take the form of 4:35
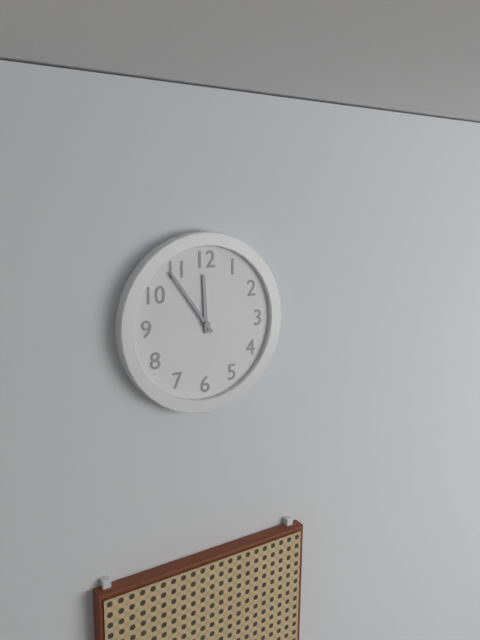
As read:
11:54
